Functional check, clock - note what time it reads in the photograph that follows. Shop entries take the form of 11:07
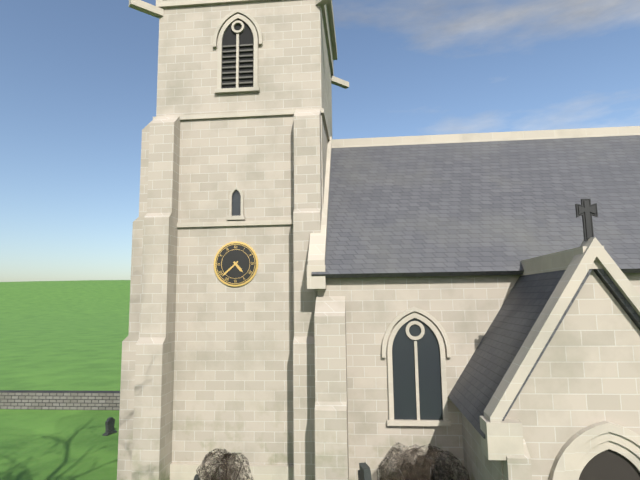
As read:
4:38
